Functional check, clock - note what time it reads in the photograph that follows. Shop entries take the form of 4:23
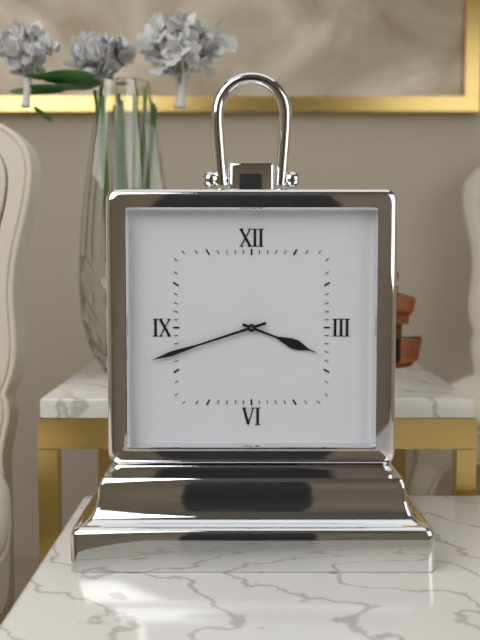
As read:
3:42
